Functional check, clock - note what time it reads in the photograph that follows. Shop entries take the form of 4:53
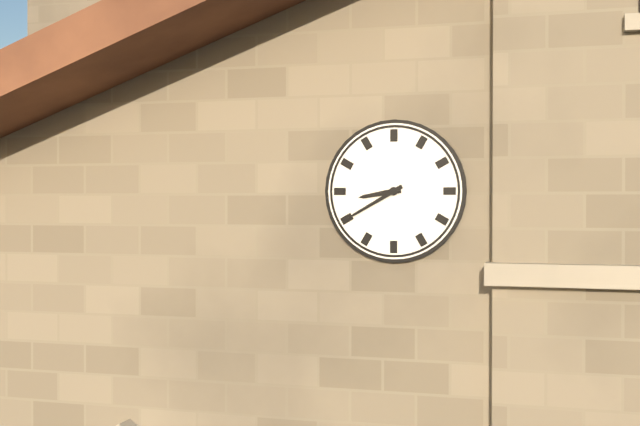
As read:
8:40
